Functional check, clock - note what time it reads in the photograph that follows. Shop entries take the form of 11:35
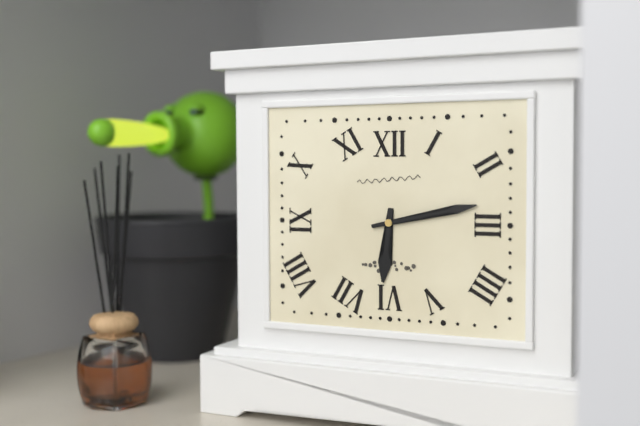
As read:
6:13
